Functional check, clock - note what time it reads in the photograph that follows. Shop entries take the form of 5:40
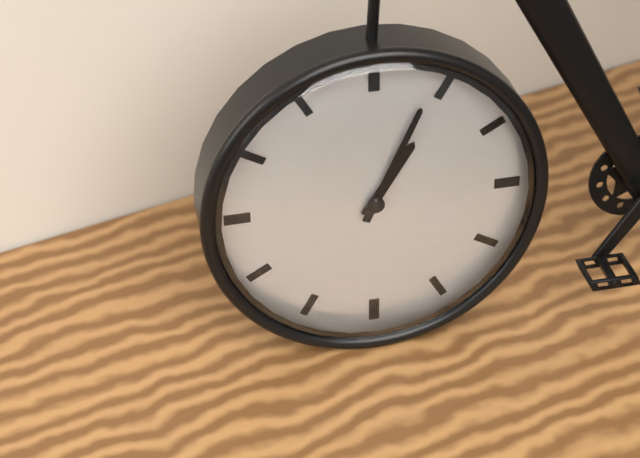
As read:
1:04
